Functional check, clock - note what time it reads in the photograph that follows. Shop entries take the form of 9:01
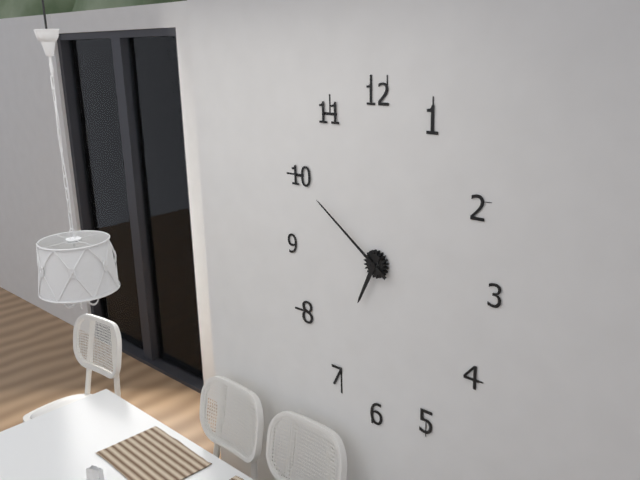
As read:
6:51
